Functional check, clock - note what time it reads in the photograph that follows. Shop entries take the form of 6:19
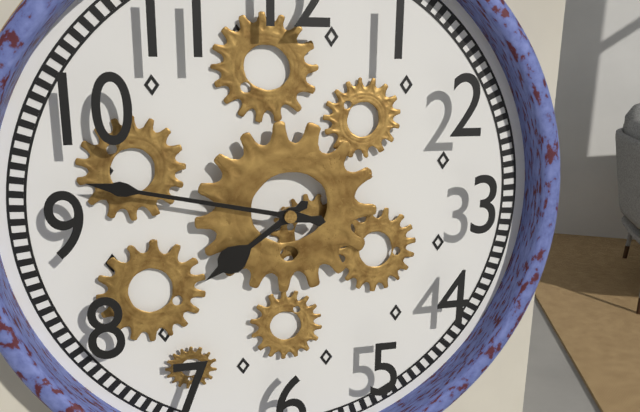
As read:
7:47
